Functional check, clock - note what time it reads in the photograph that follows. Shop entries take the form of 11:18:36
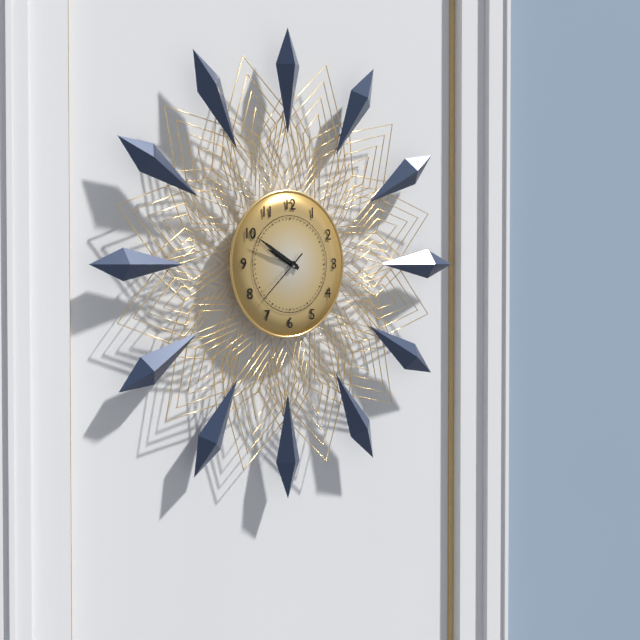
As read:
9:50:38
